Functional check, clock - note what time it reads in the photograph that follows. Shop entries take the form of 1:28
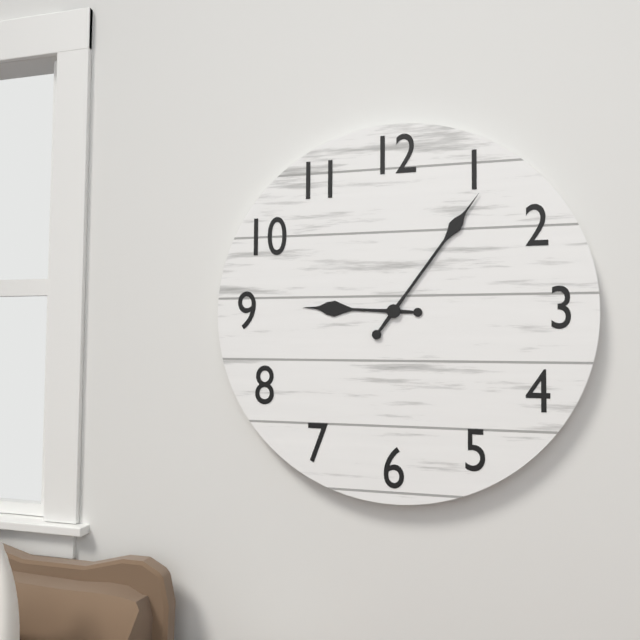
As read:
9:06
